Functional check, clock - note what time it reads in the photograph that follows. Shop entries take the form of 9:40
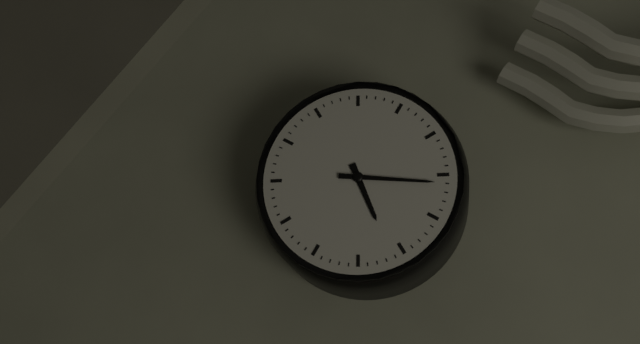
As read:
5:16
